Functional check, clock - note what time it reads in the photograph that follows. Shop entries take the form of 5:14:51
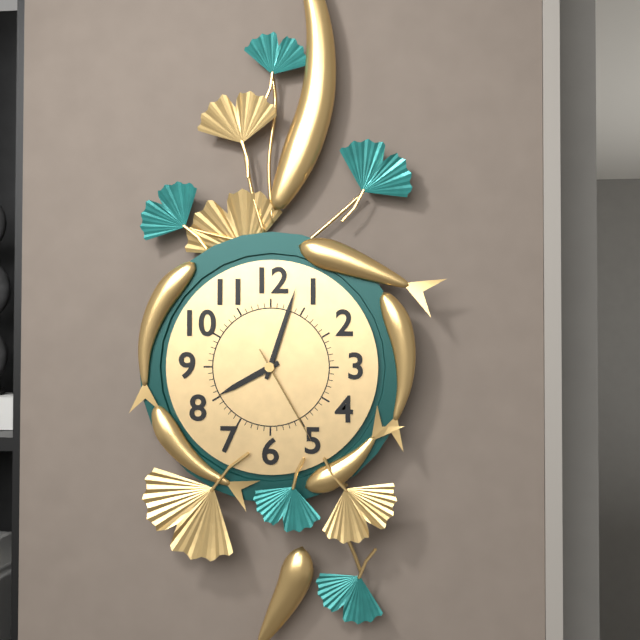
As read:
8:03:25
